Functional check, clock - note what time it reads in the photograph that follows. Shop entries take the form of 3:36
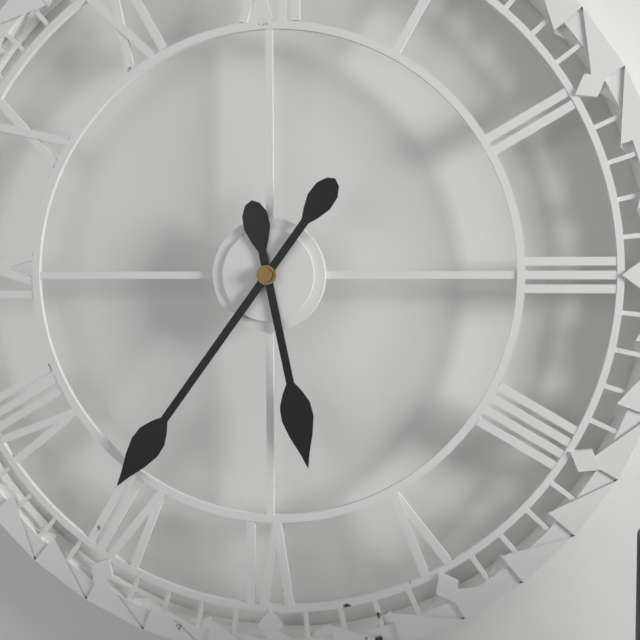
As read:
5:36
